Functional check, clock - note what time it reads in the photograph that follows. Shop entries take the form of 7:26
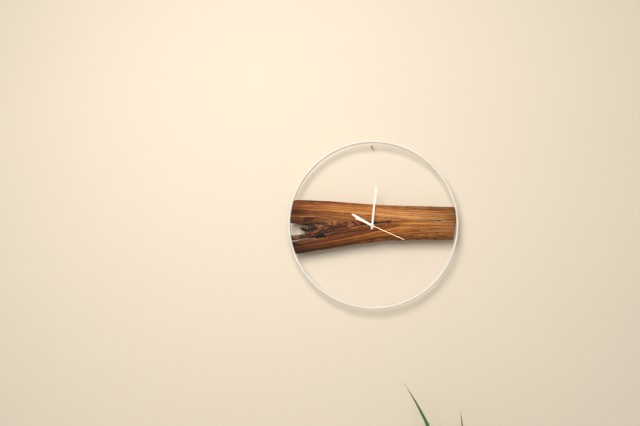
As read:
10:01
